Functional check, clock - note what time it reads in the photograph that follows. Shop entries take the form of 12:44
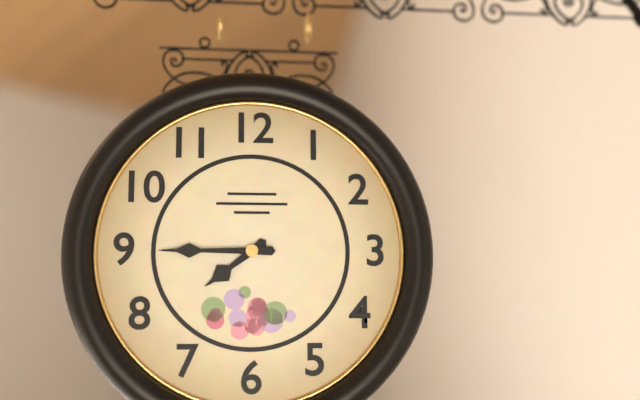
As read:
7:45
